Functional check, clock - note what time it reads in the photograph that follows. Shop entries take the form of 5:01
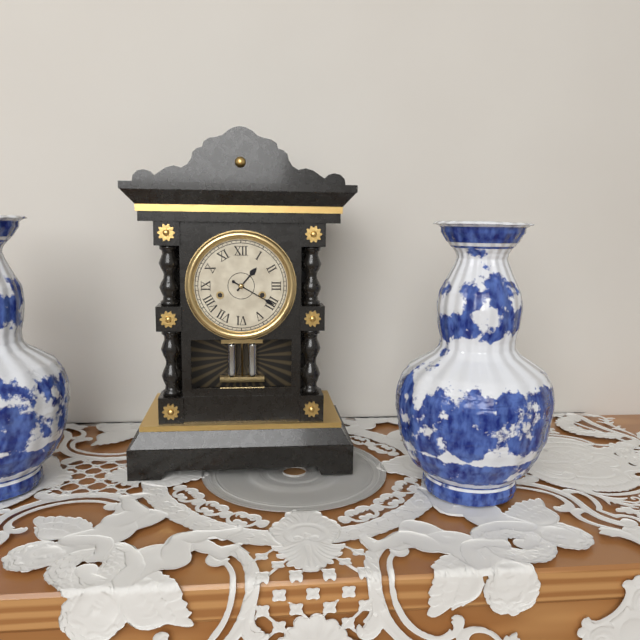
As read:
1:20
